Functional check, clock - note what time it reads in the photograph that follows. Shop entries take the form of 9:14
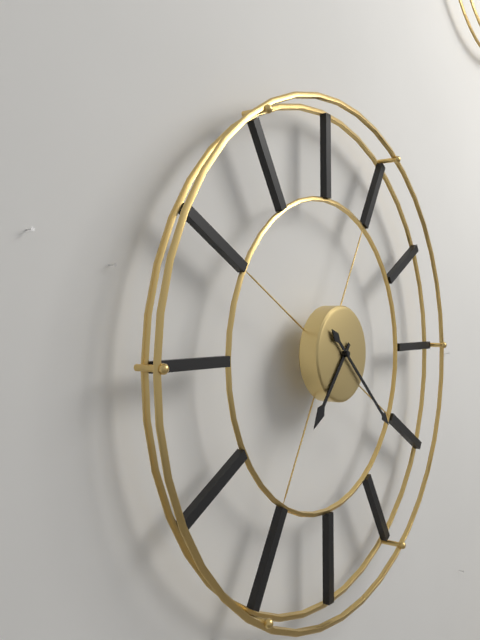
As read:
7:22
